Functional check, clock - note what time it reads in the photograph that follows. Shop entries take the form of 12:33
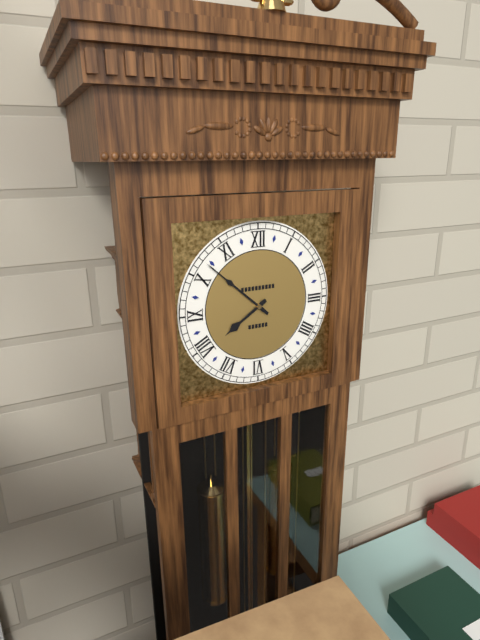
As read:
7:52
